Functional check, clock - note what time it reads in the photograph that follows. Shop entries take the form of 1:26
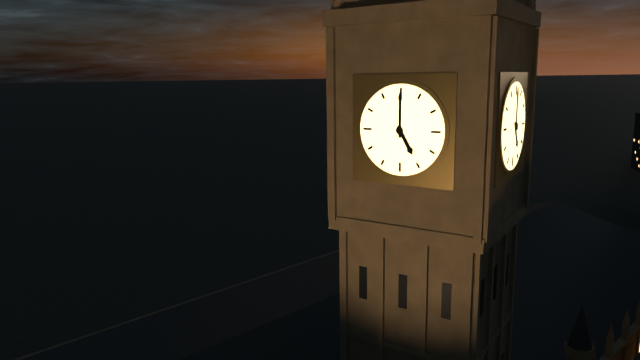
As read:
5:00
